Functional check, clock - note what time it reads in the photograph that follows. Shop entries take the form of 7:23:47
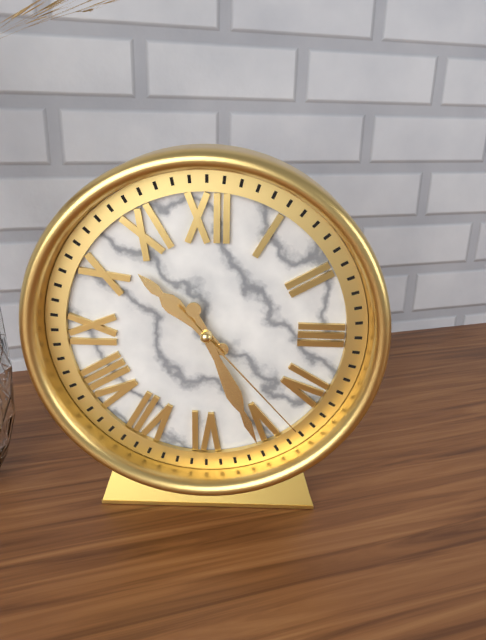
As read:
10:26:23
